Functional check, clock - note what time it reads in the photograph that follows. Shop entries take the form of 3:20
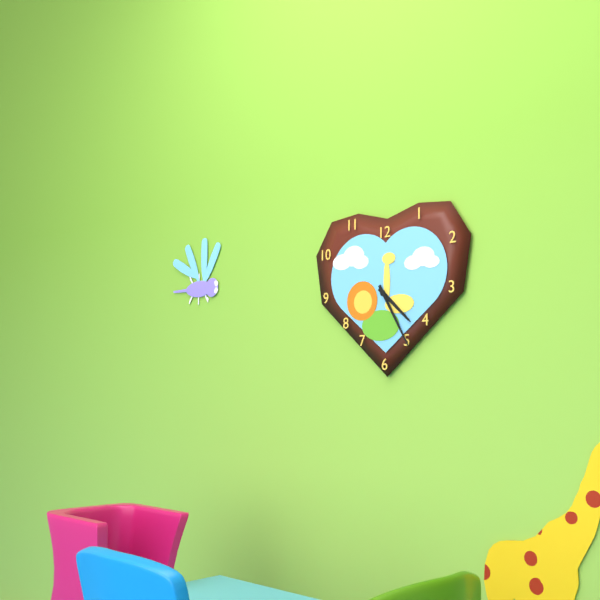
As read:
4:25
